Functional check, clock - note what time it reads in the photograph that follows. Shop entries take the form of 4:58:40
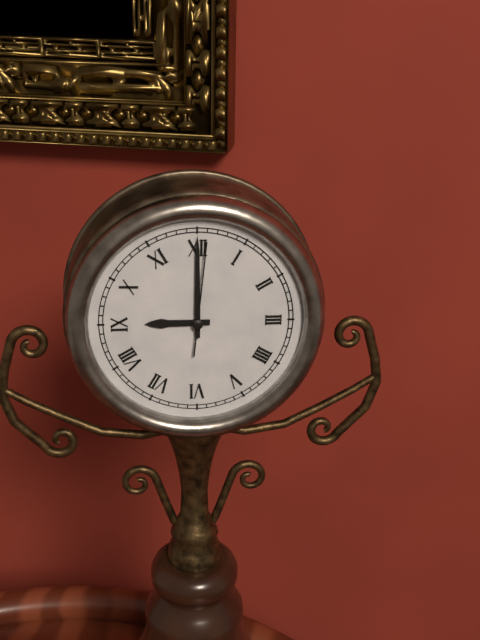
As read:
9:00:01
